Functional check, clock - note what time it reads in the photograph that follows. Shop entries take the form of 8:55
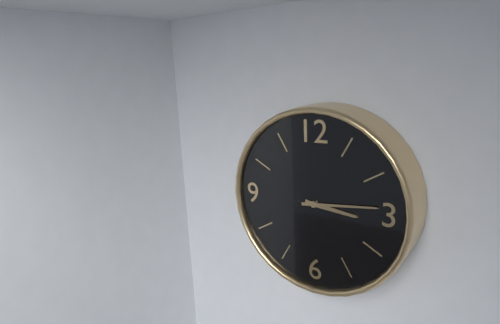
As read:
3:14
